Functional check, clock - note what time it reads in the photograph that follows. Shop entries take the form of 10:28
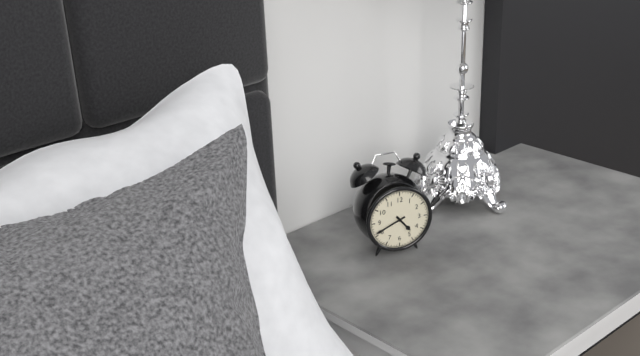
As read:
4:41
